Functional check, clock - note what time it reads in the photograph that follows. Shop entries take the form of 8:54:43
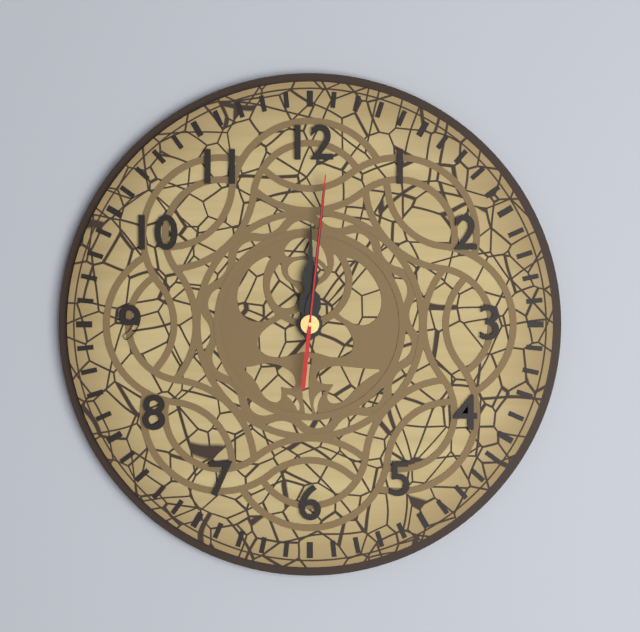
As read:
12:01:01
